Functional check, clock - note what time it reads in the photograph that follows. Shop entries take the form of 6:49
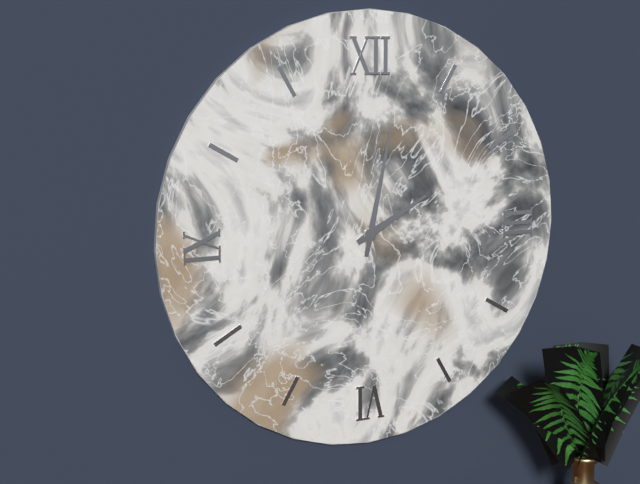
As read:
2:02
